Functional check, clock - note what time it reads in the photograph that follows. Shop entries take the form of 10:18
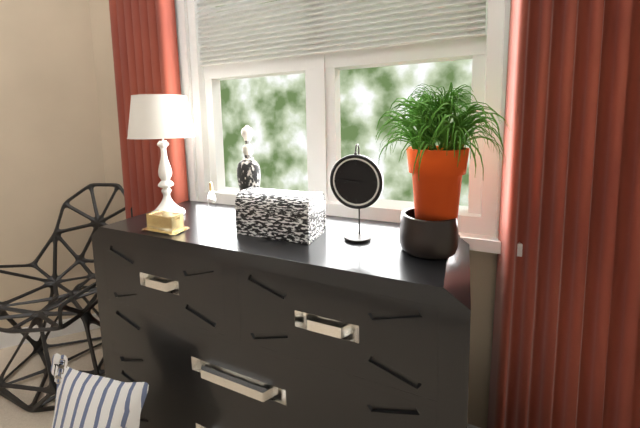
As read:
8:46
